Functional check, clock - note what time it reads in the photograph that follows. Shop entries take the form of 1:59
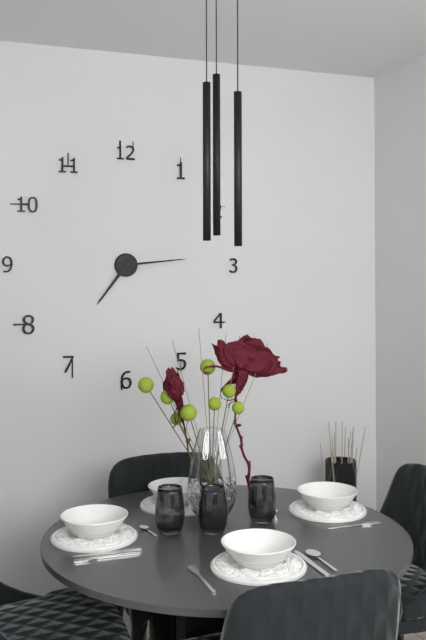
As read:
7:14
